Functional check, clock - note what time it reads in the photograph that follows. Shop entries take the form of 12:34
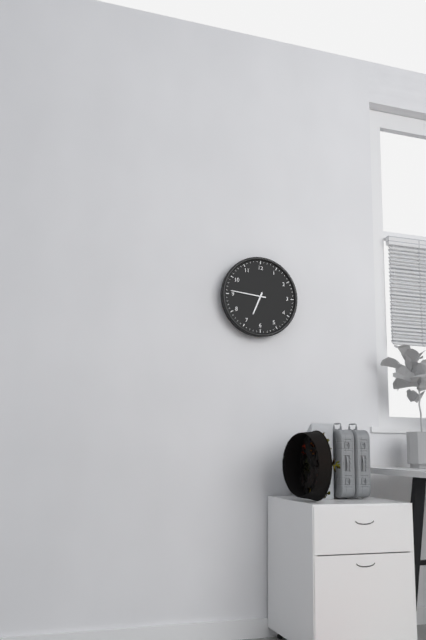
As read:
6:46
